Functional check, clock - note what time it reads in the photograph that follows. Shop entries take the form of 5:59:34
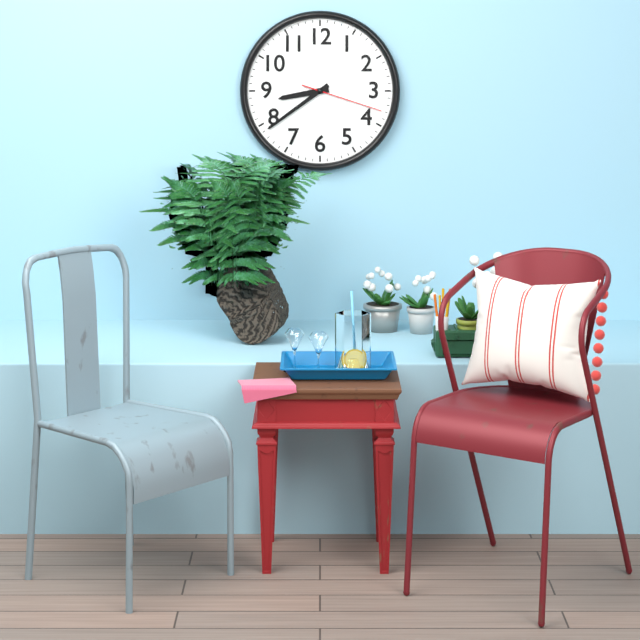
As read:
8:39:18
